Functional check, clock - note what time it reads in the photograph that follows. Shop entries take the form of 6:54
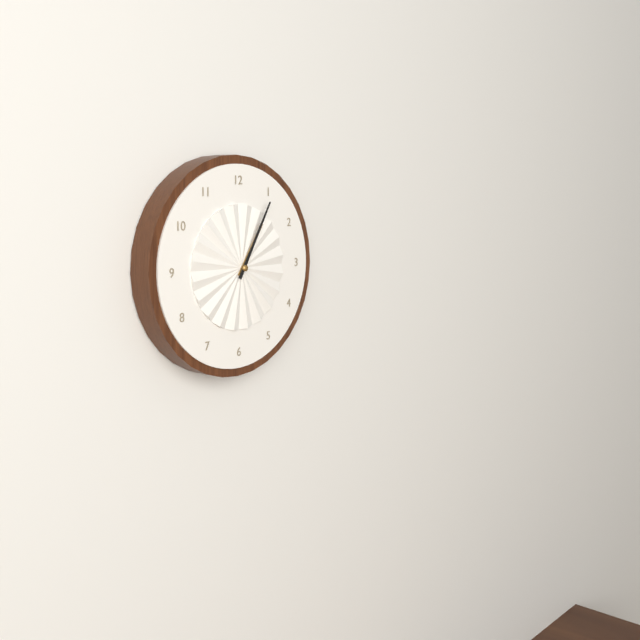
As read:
1:05
